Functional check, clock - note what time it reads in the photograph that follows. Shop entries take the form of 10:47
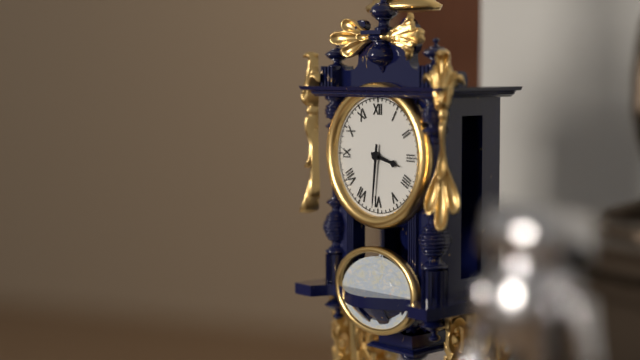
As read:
3:31
